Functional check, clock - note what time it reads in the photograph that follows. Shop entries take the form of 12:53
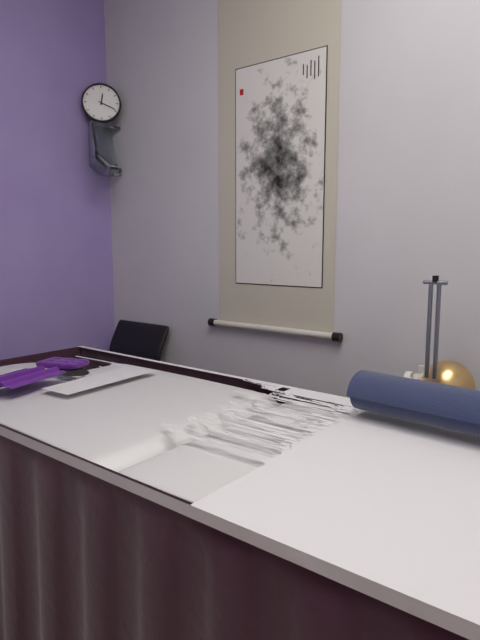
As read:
12:19
